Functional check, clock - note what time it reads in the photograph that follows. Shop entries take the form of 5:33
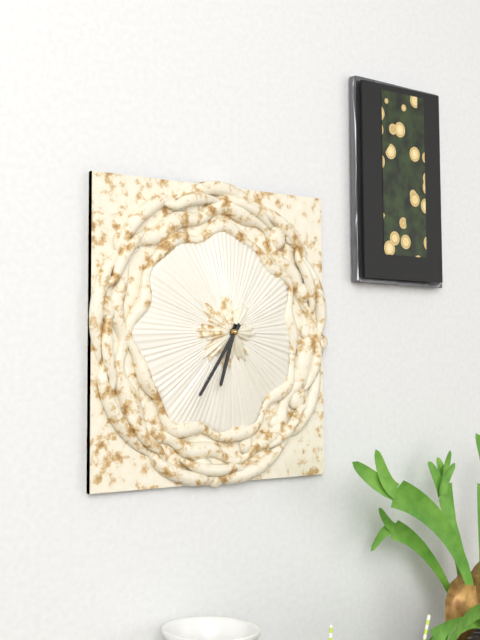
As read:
6:36
